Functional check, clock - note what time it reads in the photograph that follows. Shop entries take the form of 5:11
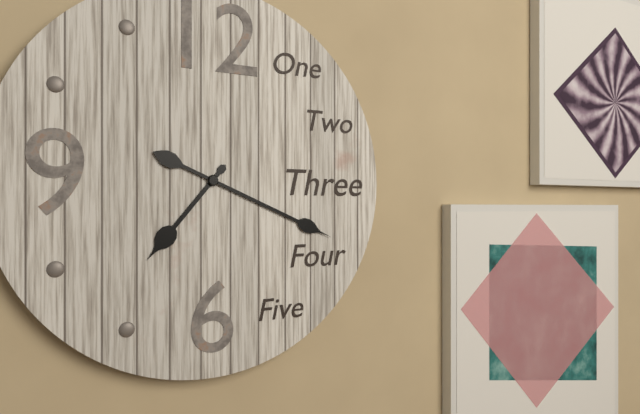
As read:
7:19
